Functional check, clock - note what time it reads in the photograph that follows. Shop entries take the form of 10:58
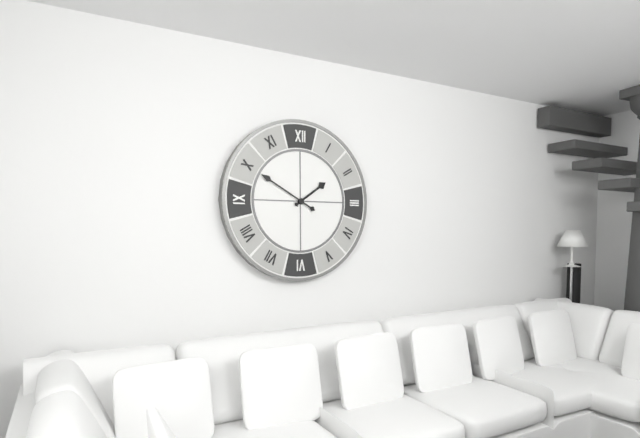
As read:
1:50
